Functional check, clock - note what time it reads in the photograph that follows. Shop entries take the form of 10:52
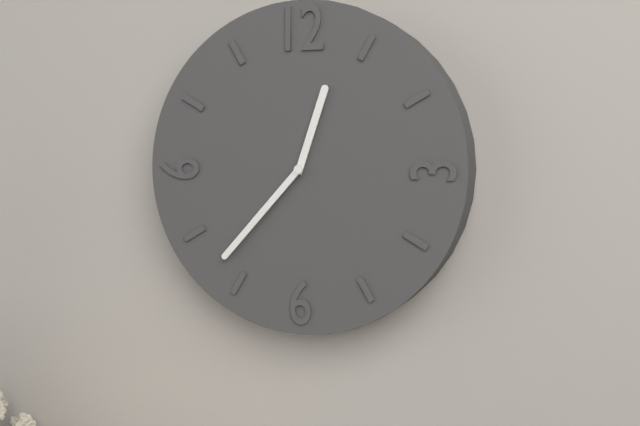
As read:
12:37
